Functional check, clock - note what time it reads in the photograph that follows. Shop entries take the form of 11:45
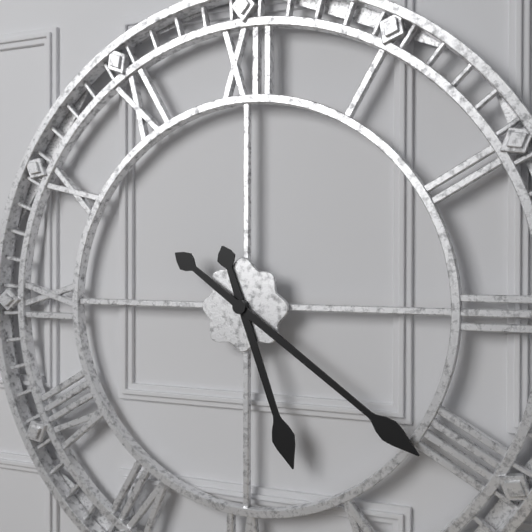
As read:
5:21
